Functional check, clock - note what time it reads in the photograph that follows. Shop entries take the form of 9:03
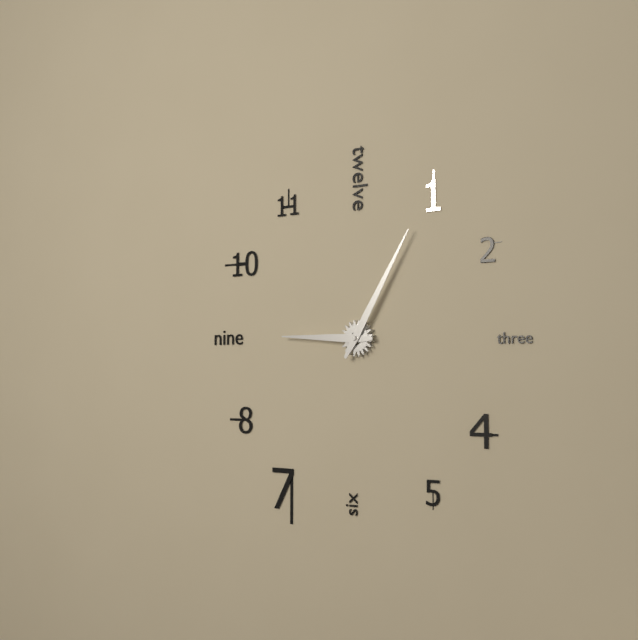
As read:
9:05
